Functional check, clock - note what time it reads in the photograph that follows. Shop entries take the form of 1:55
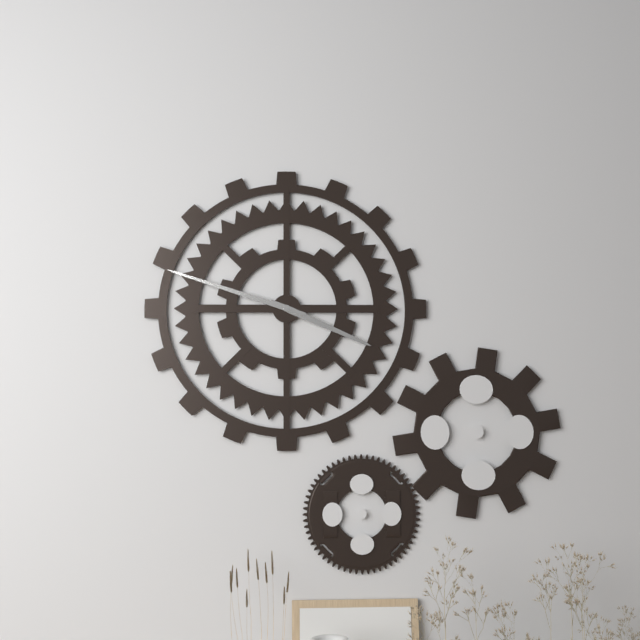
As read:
3:48
